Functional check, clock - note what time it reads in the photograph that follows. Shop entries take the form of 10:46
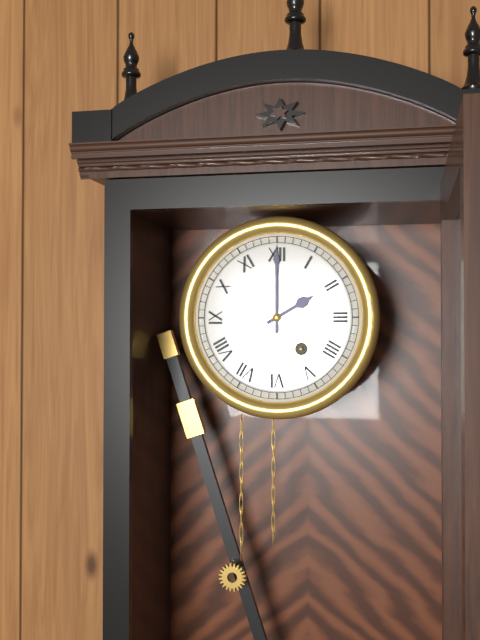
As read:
2:00
